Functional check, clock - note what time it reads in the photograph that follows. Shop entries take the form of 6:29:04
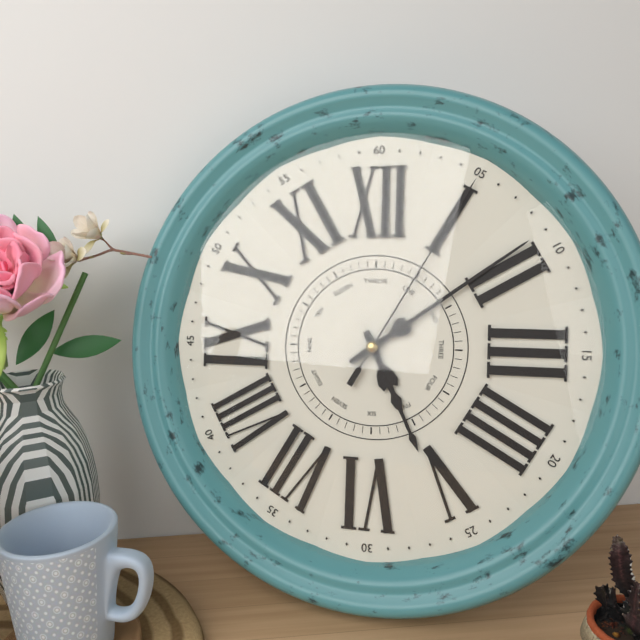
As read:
5:09:05
